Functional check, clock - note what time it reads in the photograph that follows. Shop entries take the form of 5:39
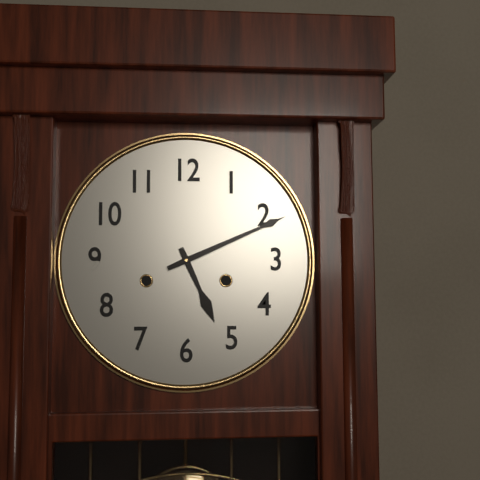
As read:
5:11
